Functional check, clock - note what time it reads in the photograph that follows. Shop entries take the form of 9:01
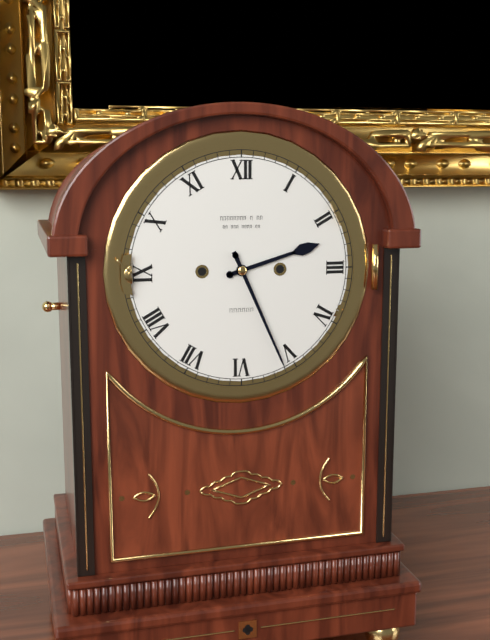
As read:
2:26
